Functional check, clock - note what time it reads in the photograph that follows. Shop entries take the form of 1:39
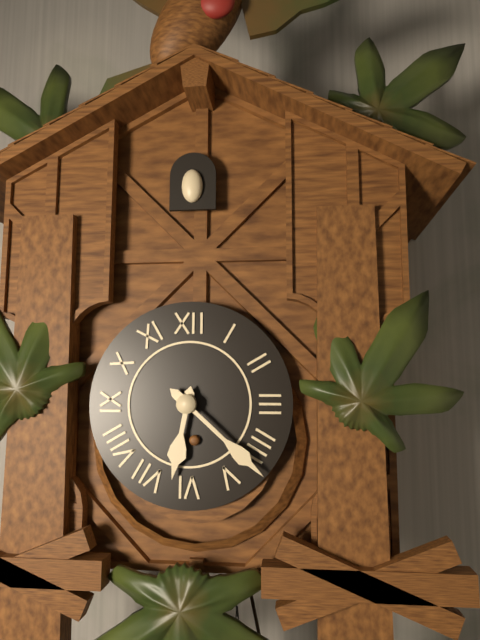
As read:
6:22
